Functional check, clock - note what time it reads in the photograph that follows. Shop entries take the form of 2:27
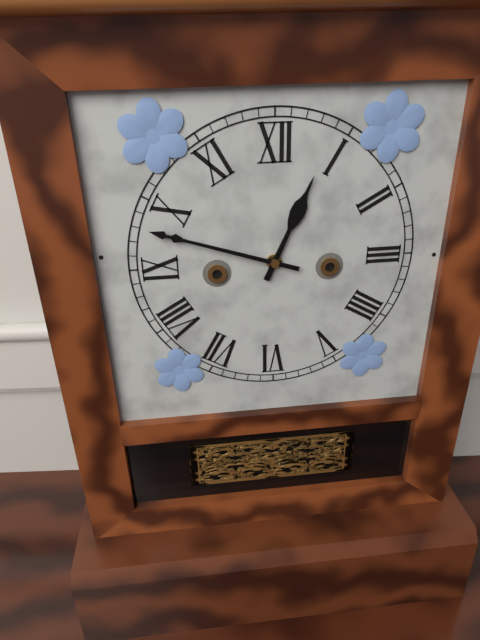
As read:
12:48
